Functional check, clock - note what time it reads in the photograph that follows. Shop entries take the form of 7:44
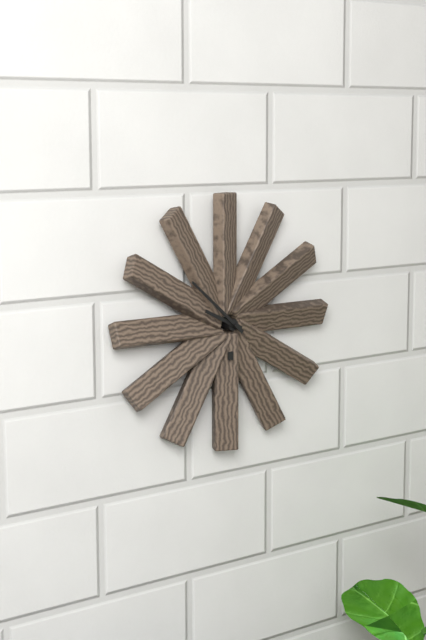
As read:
9:52
